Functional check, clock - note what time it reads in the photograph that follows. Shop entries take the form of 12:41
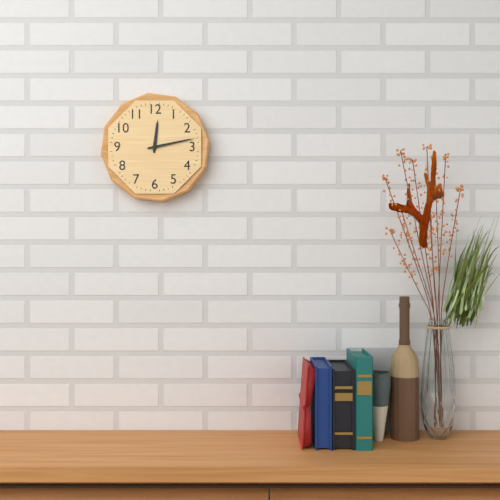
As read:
12:13
